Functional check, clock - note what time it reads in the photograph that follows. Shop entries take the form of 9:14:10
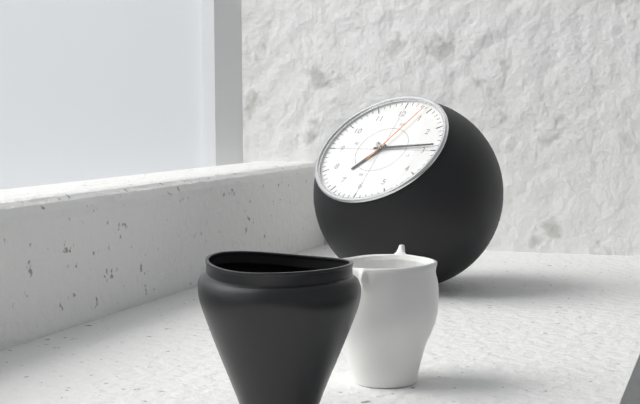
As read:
7:14:04
